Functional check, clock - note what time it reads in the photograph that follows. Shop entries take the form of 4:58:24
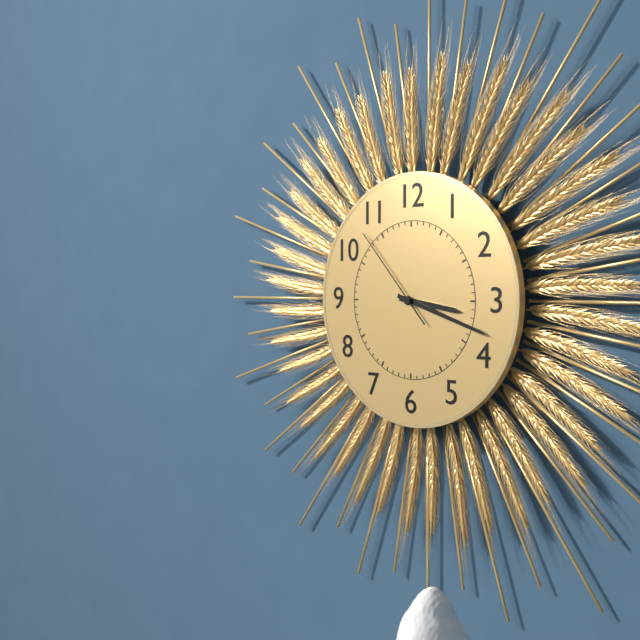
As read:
3:18:53
